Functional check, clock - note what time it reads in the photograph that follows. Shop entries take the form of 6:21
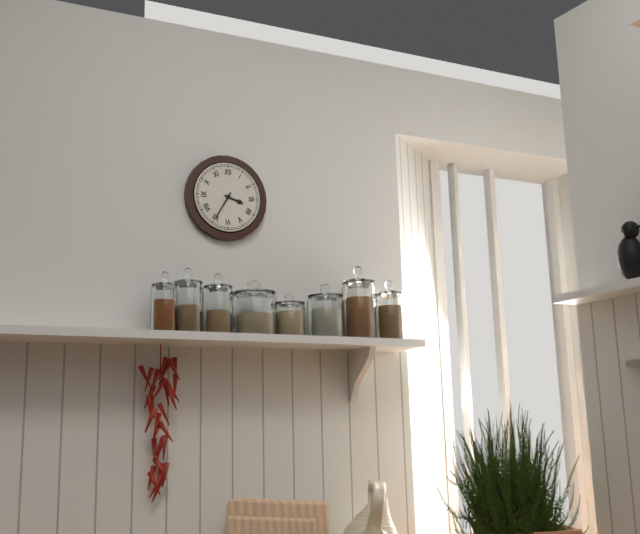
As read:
3:35
